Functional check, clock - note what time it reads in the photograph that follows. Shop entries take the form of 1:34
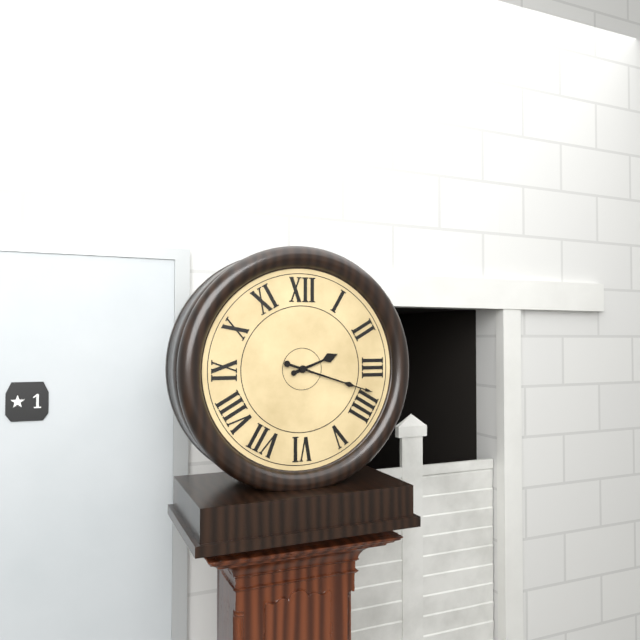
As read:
2:18
